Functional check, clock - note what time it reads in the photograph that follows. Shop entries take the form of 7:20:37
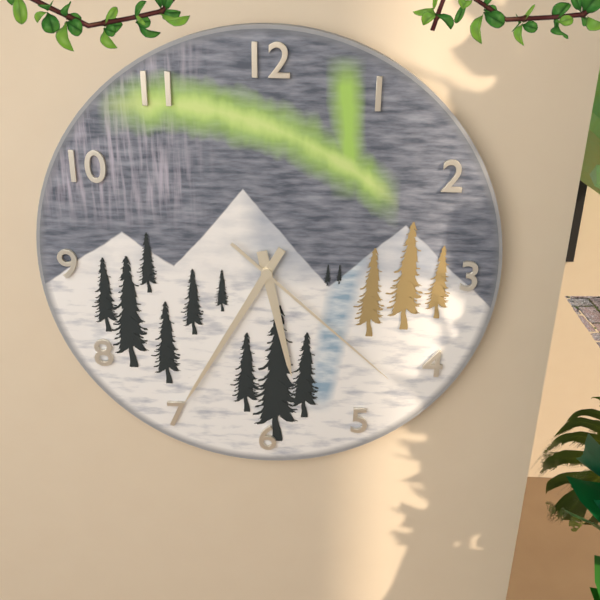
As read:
5:35:22
